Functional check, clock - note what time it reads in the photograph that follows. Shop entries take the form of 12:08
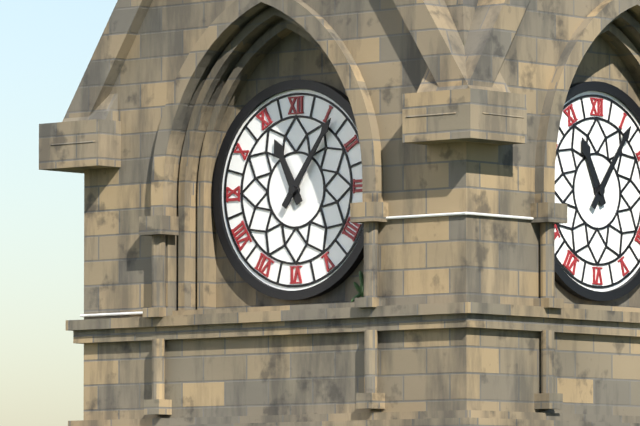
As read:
11:06
